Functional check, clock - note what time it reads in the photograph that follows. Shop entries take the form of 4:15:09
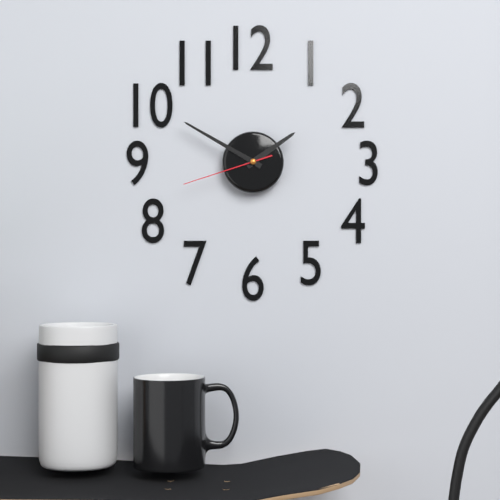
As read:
1:50:42
